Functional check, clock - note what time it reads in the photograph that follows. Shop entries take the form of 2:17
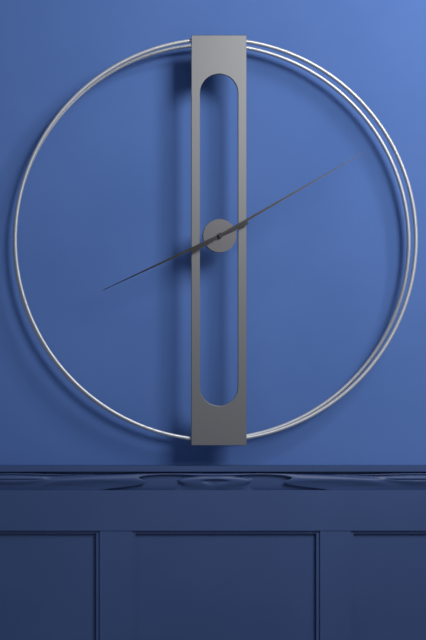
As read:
8:10
